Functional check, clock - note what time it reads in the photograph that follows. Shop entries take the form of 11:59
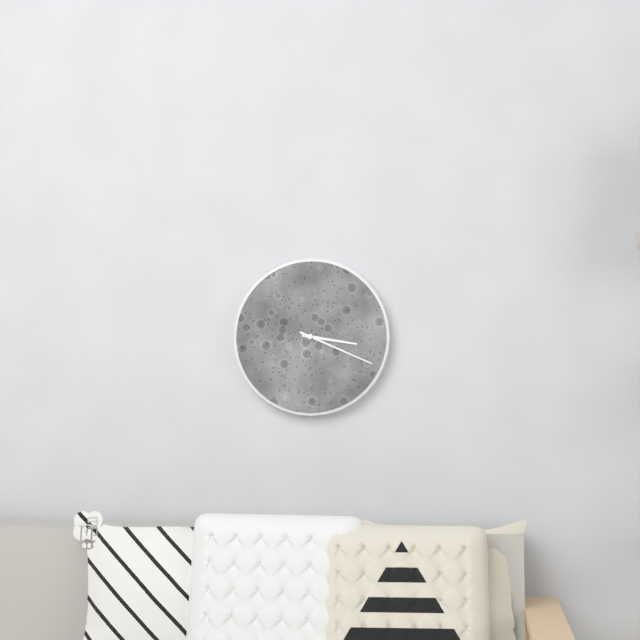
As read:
3:19
